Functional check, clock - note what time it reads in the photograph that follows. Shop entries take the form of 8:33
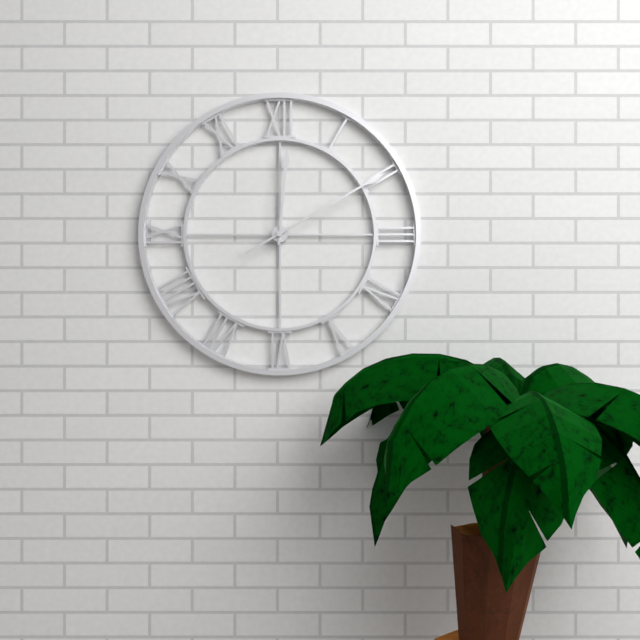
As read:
12:10
